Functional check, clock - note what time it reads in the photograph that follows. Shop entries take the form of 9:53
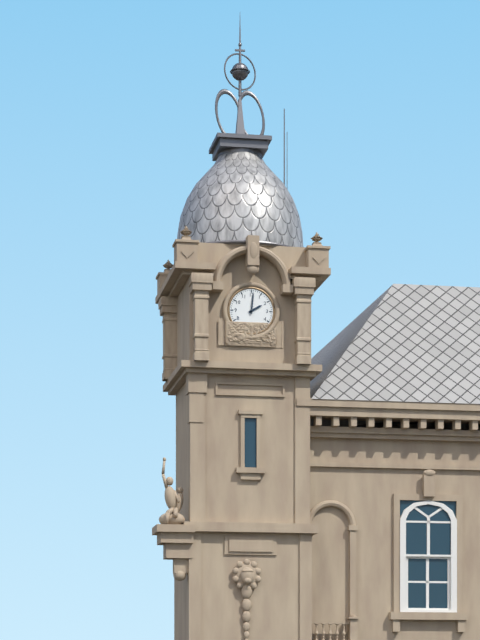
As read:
2:01
